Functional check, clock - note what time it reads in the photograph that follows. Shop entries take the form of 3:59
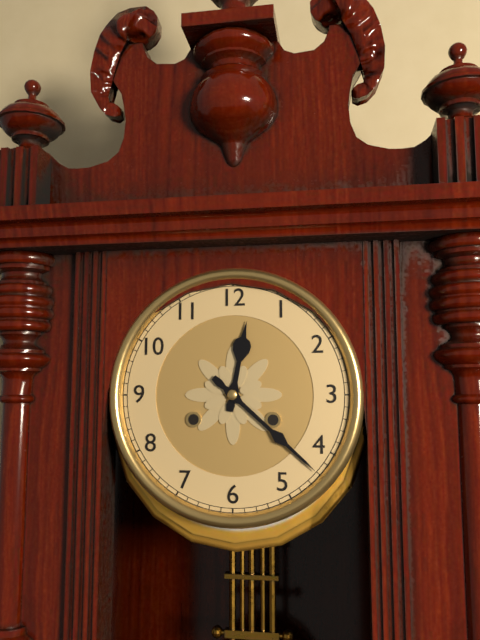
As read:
12:22
